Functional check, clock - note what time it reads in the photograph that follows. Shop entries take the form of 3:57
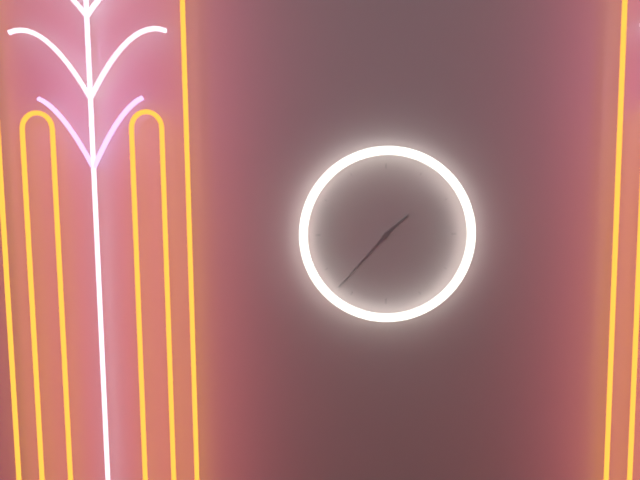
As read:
1:37
